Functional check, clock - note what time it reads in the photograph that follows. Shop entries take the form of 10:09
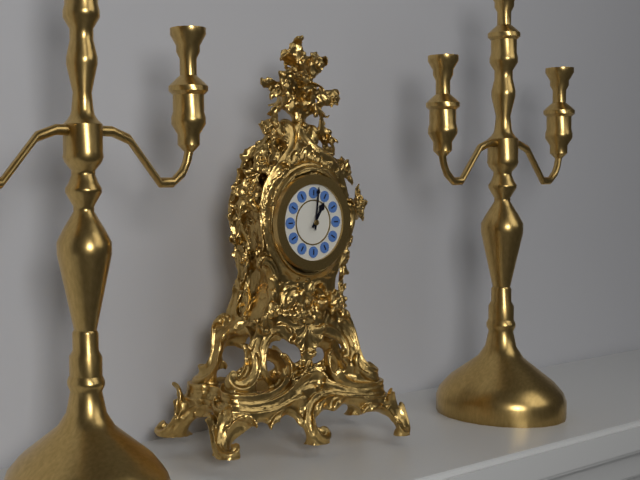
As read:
1:01
